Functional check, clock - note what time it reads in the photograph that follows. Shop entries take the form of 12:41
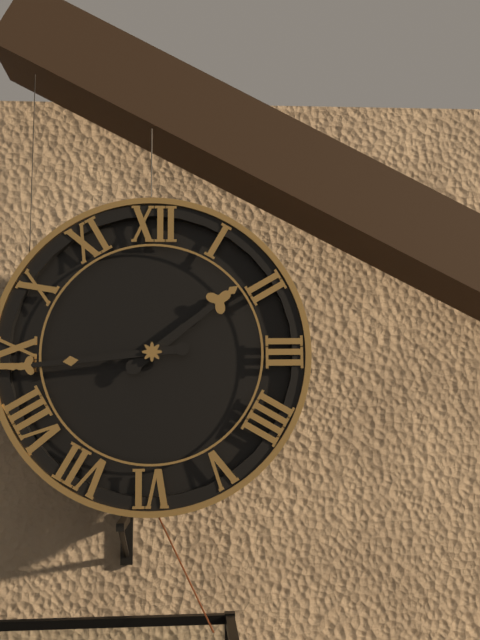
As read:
1:44
